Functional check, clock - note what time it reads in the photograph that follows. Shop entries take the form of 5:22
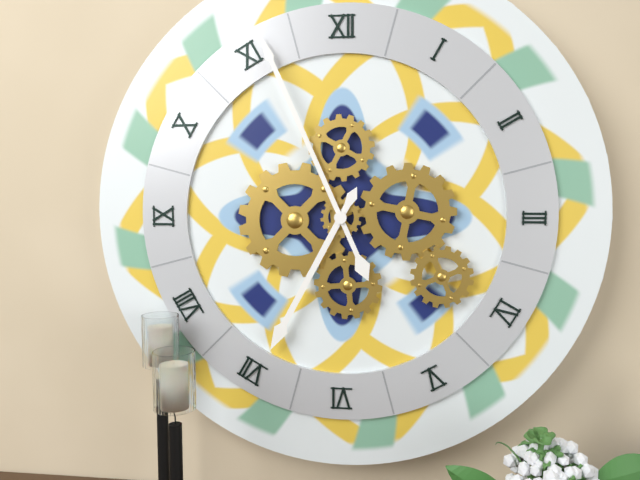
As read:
6:56
